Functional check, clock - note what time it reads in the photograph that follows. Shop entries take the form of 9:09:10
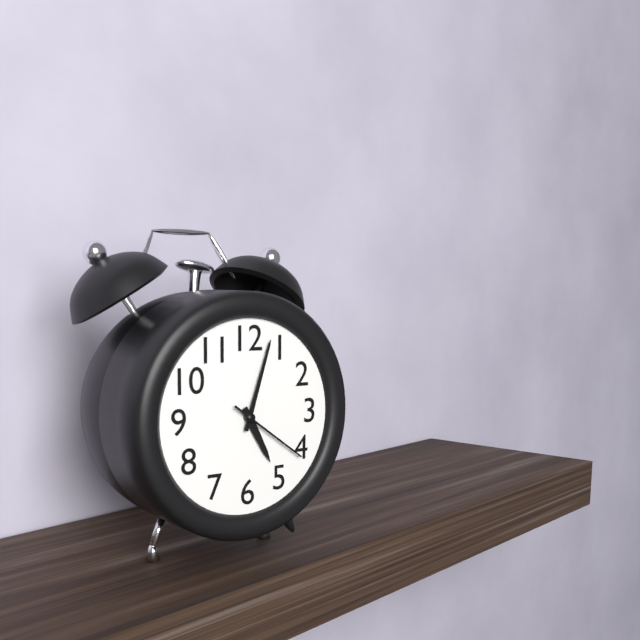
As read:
5:03:21
